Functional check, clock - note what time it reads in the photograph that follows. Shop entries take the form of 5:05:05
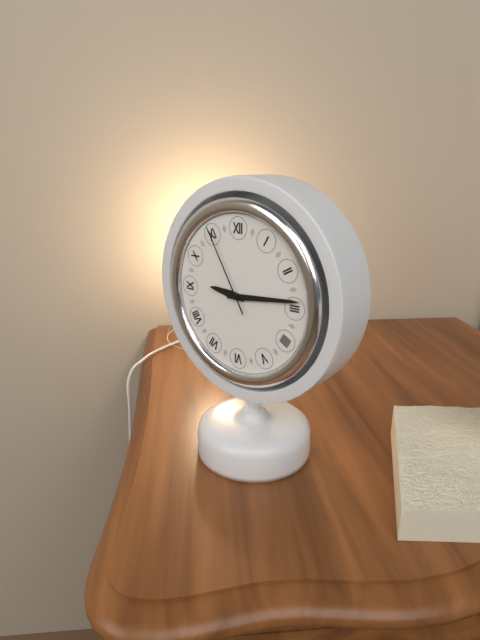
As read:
9:14:55
